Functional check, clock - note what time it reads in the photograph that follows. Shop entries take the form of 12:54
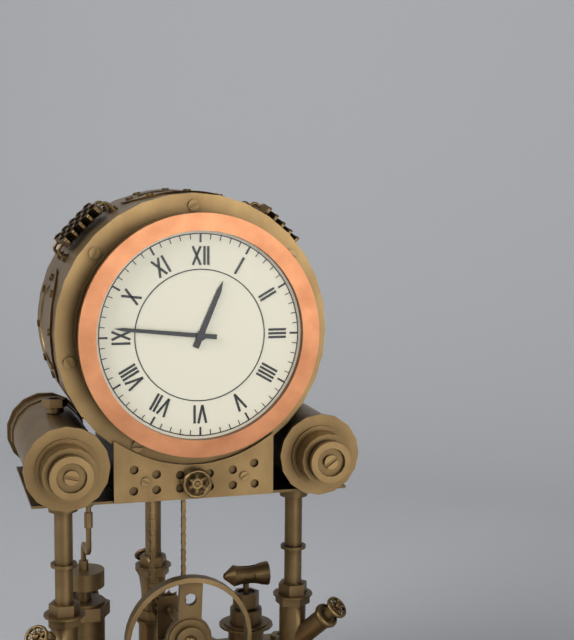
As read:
12:46
